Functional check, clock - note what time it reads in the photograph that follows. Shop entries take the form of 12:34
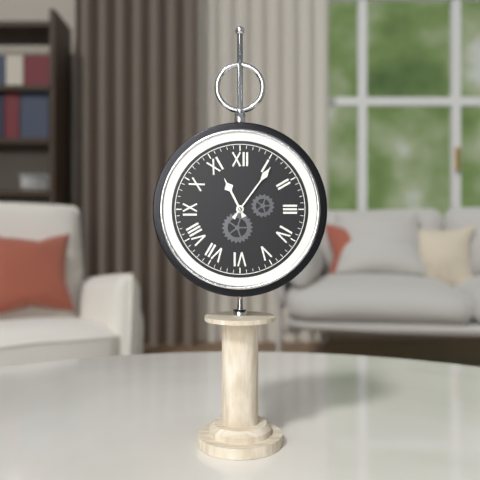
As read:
11:06
